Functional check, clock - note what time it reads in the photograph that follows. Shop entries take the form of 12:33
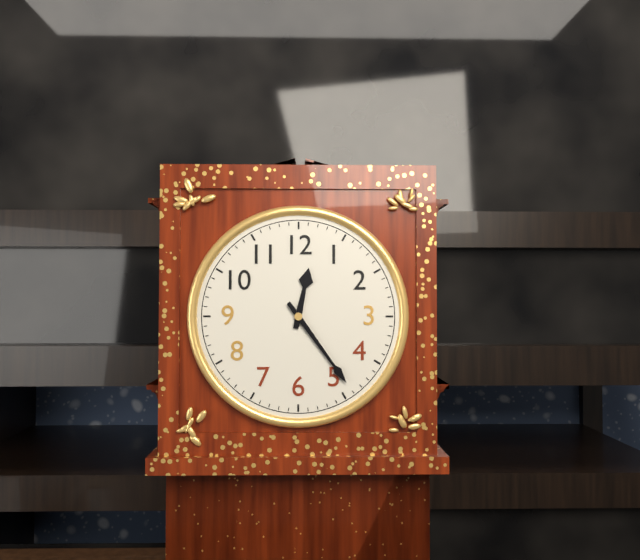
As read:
12:24
